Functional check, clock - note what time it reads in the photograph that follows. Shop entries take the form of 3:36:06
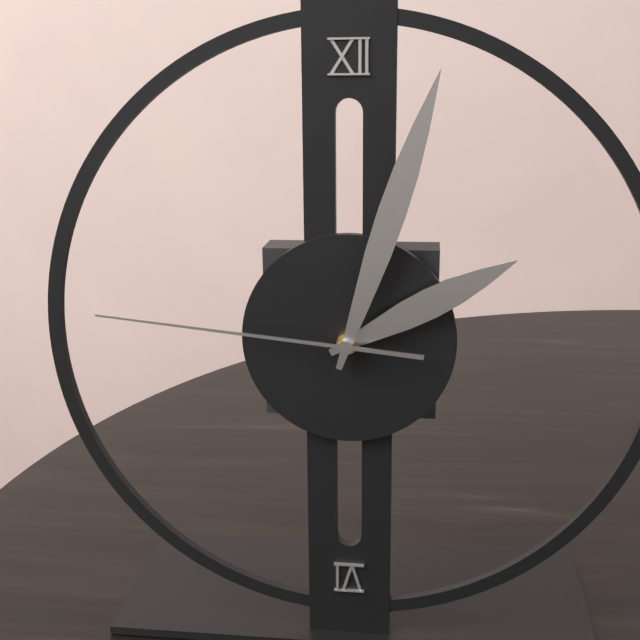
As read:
2:03:46
